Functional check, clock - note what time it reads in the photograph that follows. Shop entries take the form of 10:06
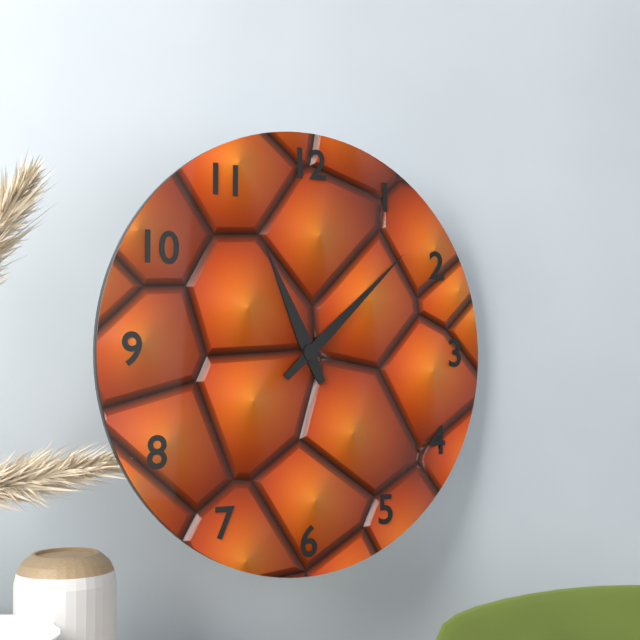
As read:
11:08
